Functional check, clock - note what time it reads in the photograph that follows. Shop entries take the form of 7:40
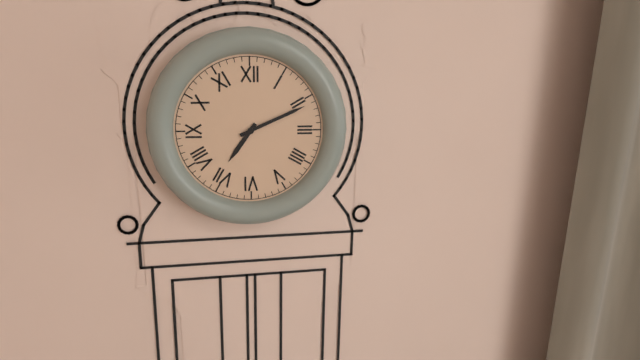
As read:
7:11
